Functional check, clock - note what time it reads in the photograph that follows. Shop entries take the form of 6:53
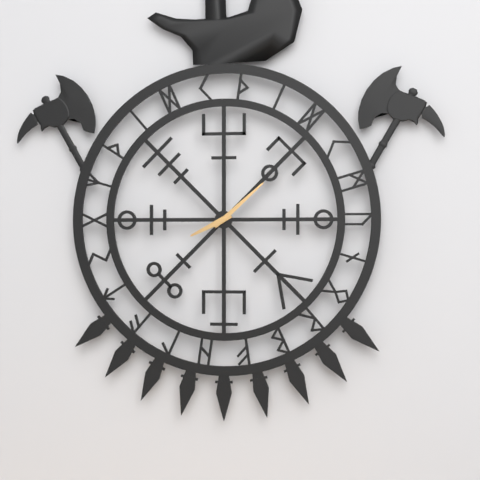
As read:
8:08
